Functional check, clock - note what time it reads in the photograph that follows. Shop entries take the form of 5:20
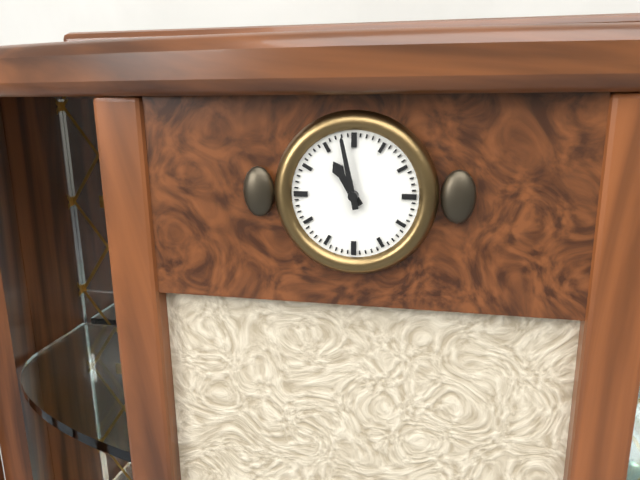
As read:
10:58
